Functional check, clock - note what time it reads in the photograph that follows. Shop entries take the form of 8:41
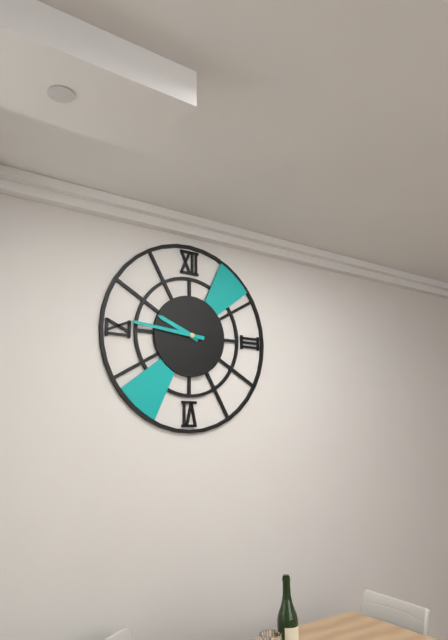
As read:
9:46
